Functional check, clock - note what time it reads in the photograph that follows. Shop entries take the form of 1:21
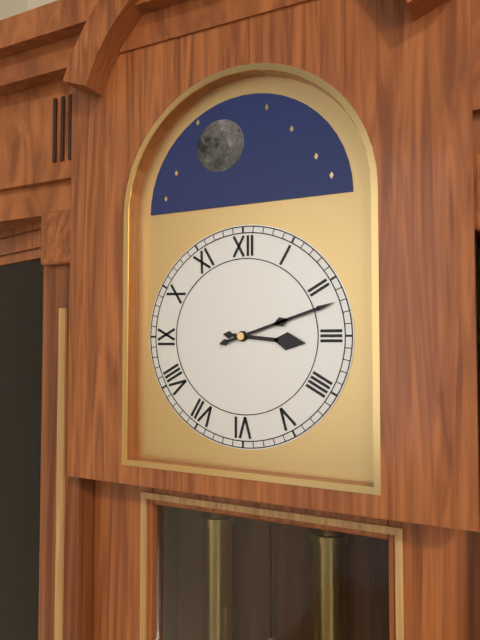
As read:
3:12
